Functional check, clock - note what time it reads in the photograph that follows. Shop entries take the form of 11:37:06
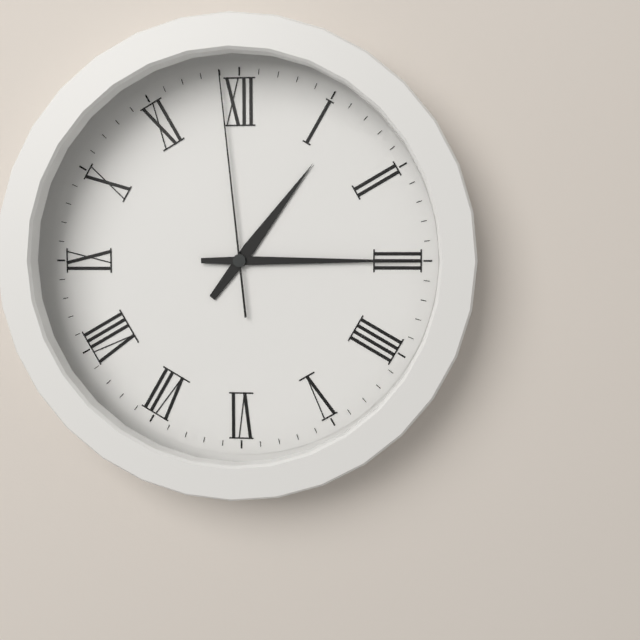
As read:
1:15:59
